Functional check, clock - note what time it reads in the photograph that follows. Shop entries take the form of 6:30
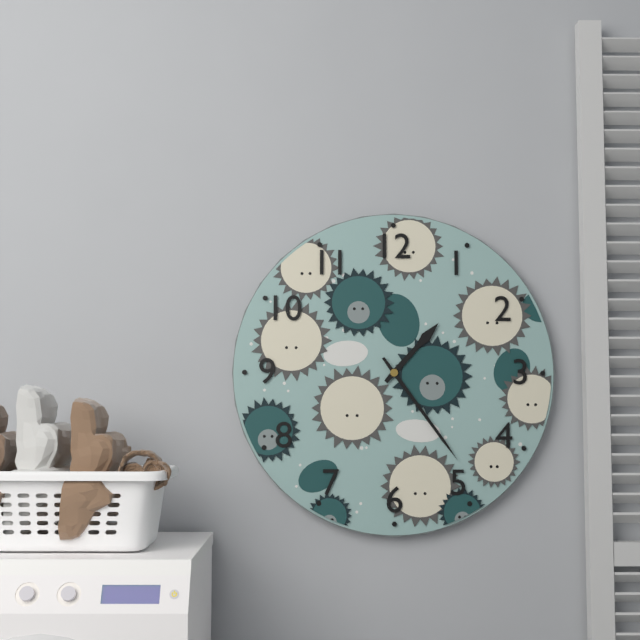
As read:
1:24
